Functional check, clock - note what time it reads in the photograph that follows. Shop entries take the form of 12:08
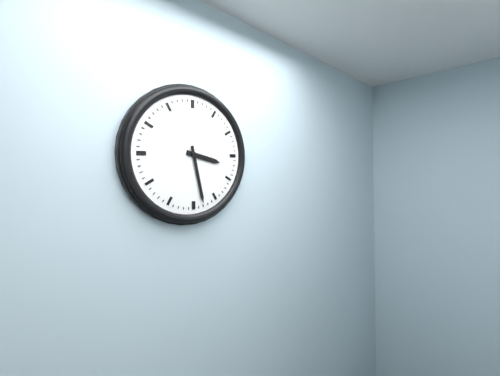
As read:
3:28
